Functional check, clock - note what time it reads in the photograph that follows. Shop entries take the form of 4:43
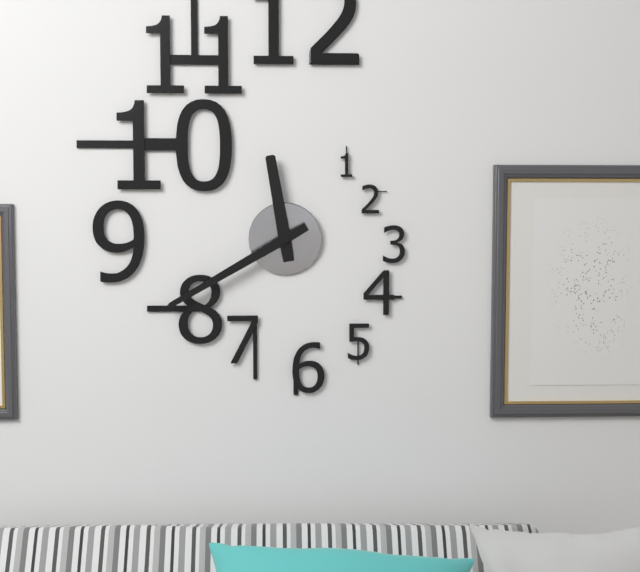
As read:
11:40
